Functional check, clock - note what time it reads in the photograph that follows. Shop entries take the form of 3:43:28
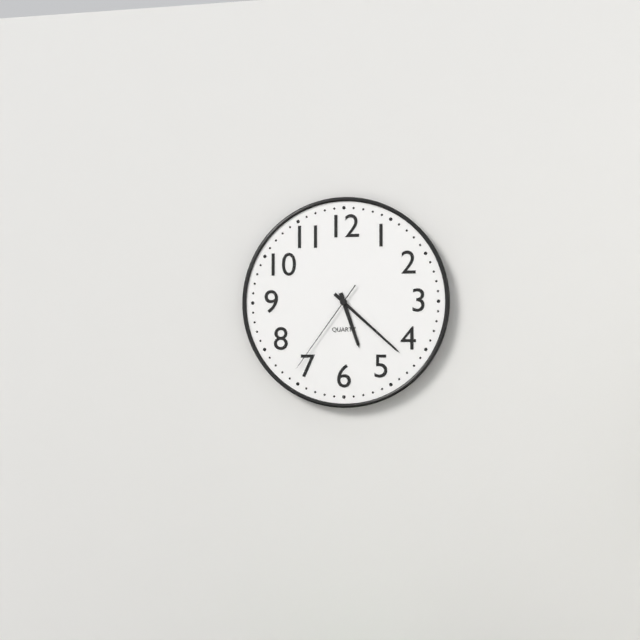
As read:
5:22:36
